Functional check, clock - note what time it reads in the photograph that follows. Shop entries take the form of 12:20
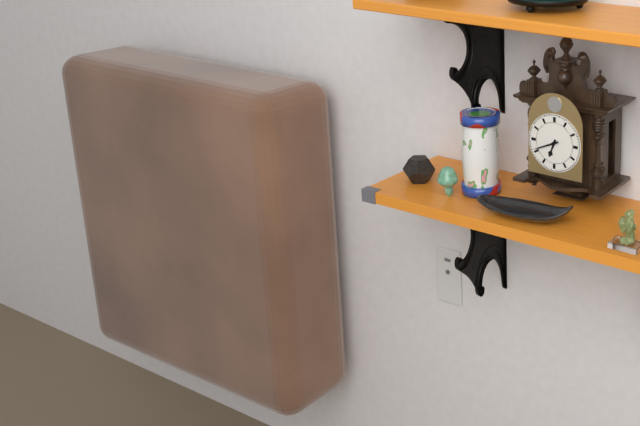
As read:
6:41
